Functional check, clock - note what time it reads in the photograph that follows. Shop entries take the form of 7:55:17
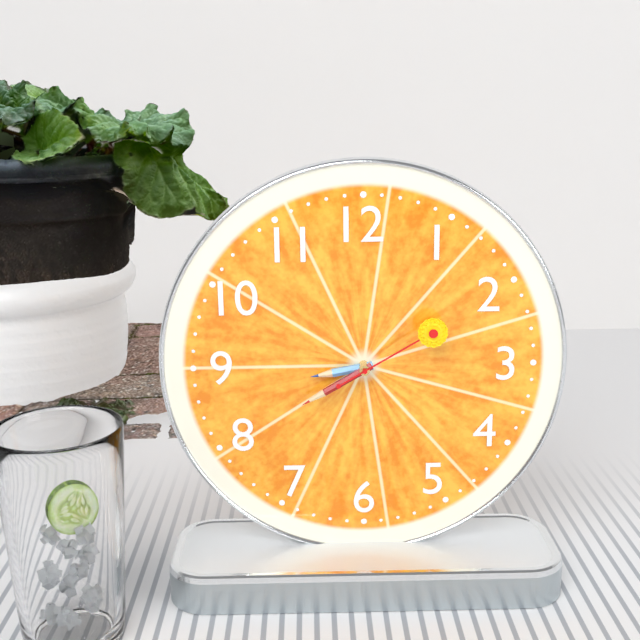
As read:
8:40:10
